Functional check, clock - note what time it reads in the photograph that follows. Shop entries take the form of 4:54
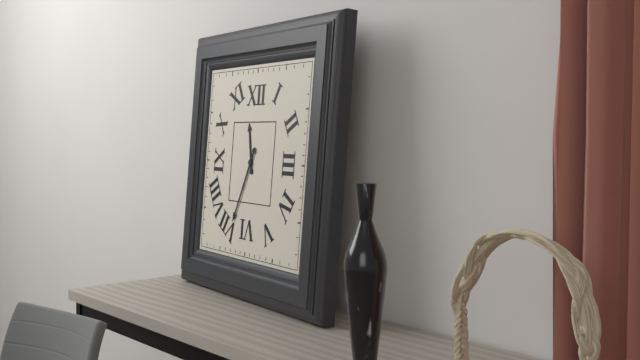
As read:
11:34
